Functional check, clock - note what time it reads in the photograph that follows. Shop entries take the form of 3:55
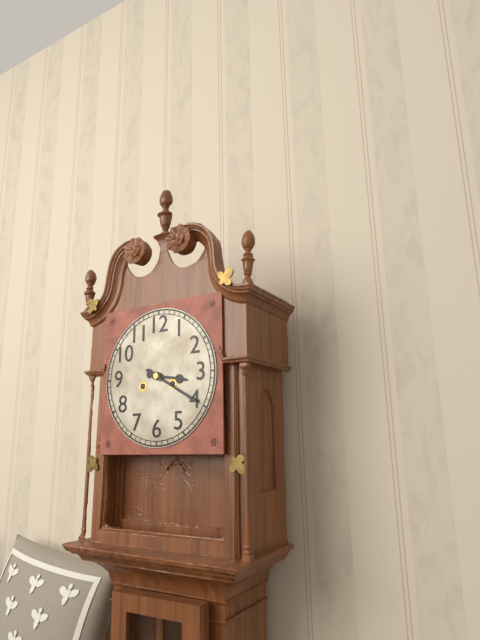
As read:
3:20
